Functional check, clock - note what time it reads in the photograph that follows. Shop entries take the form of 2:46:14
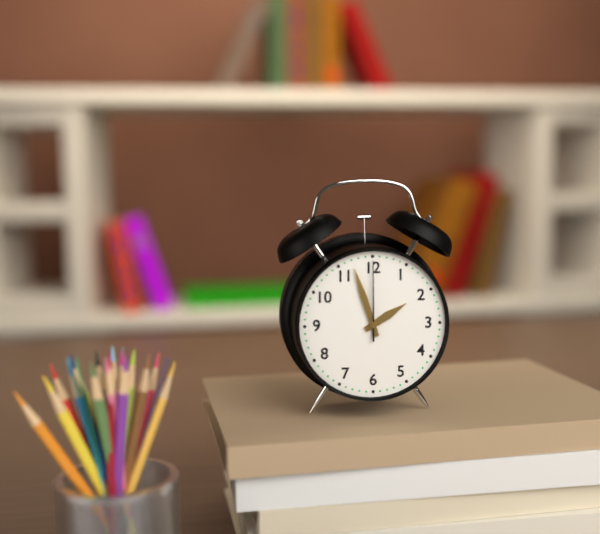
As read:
1:57:00
